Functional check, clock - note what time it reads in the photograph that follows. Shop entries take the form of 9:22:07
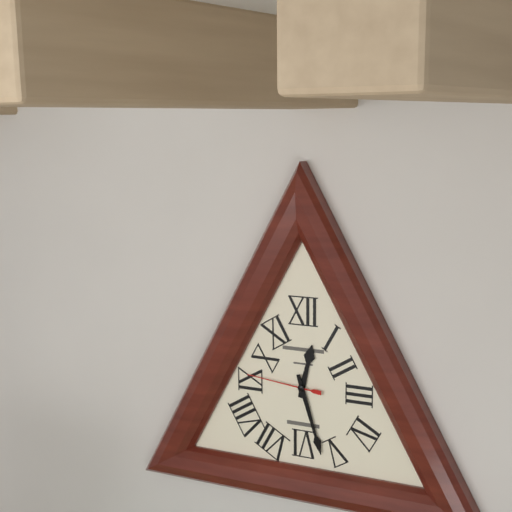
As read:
12:27:46
